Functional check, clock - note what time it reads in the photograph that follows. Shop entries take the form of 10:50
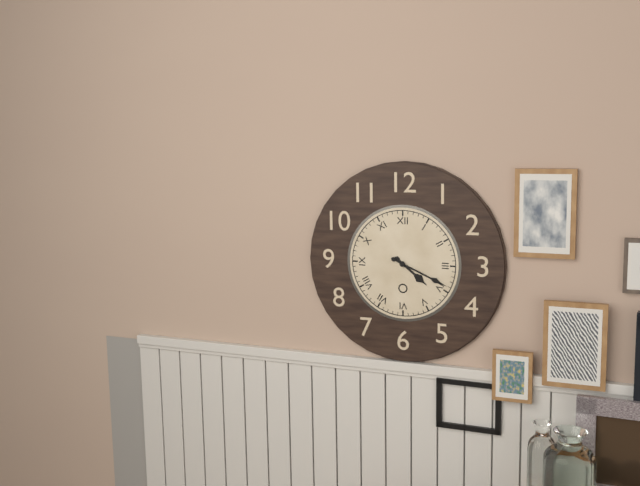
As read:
4:19
